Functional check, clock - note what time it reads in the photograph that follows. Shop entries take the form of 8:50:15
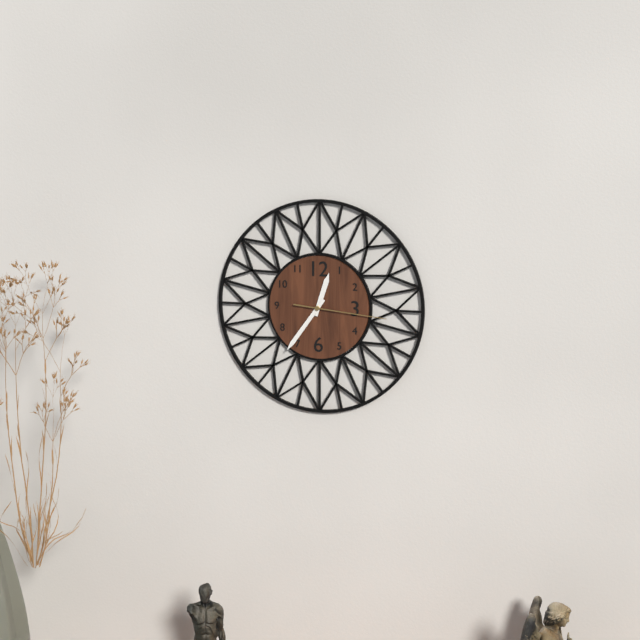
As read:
12:36:16
